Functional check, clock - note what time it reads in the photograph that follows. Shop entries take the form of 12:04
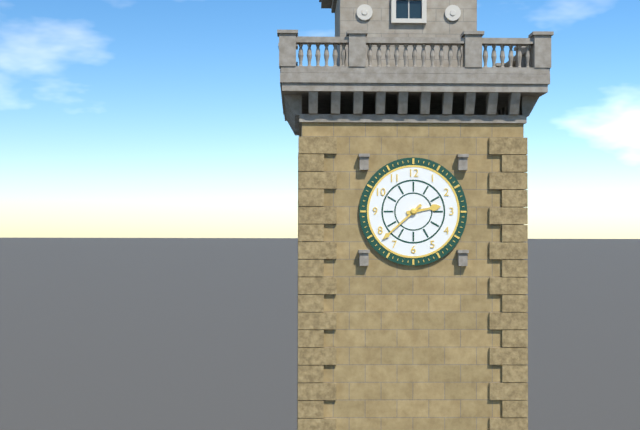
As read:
2:38
